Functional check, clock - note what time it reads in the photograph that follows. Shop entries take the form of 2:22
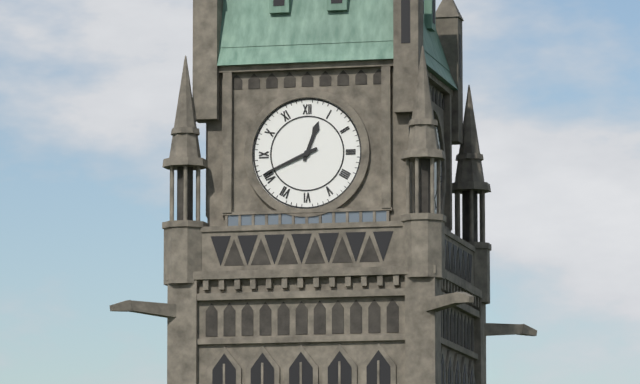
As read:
12:41
